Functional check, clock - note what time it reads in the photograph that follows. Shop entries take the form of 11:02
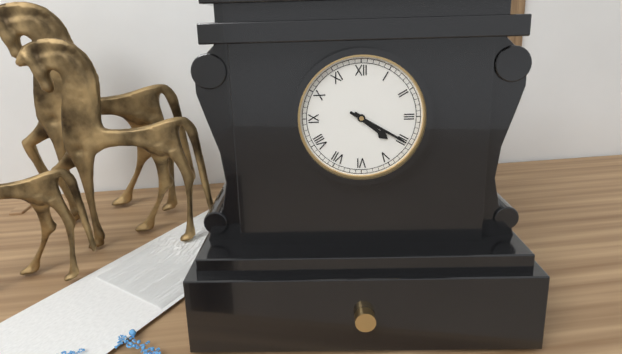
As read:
4:20
